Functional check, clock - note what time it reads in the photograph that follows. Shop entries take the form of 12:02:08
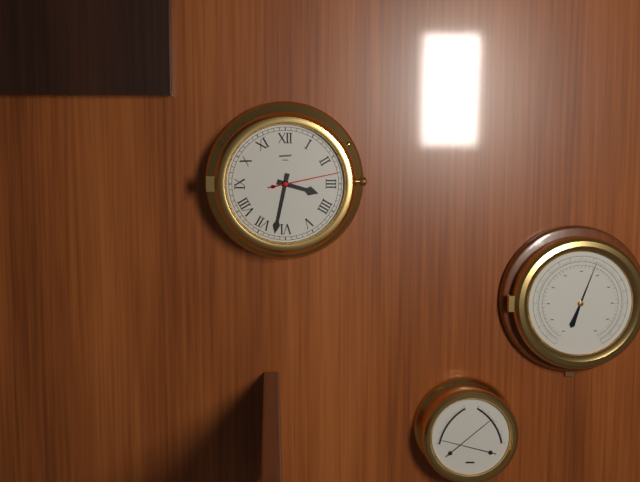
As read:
3:32:13
